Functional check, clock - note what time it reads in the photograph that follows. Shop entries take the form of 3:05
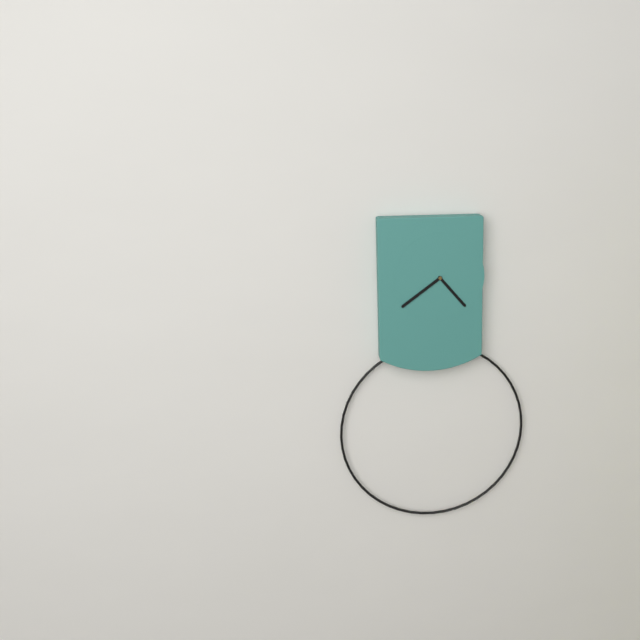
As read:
4:39
